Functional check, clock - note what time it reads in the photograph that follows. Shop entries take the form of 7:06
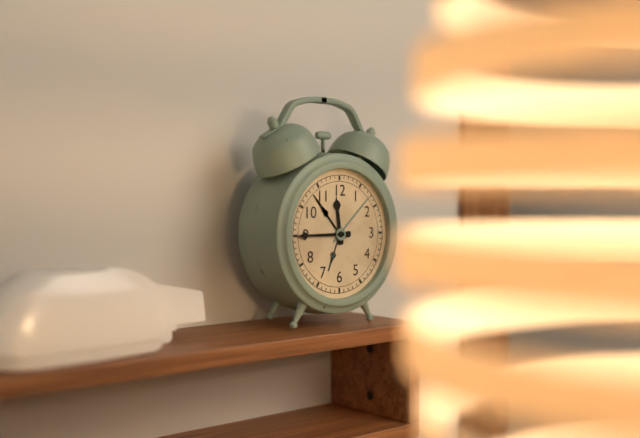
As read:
11:45
